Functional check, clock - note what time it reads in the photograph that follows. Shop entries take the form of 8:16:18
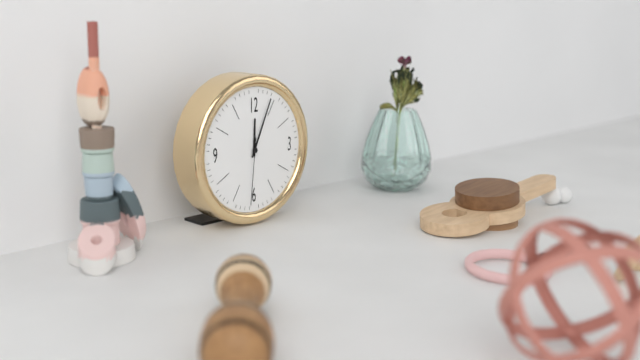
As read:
12:04:31
